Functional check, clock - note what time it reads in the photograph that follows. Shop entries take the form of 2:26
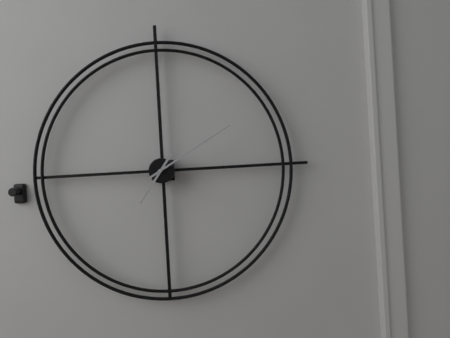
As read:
7:10
